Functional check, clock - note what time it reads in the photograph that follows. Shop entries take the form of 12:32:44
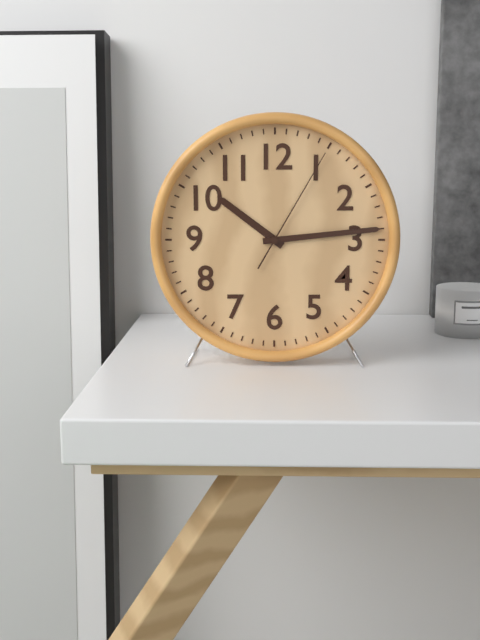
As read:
10:14:05
